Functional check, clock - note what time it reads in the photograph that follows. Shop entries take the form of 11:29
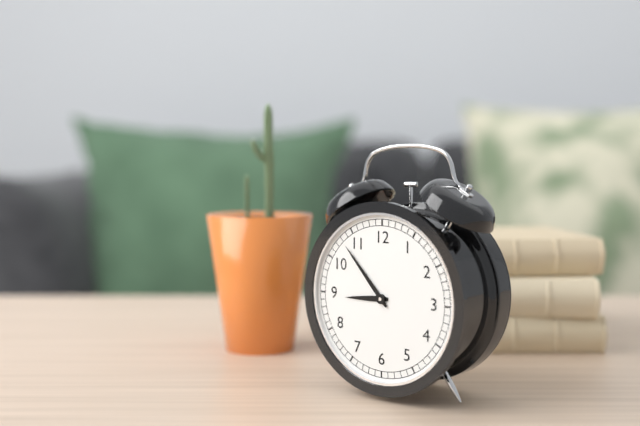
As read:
8:53
